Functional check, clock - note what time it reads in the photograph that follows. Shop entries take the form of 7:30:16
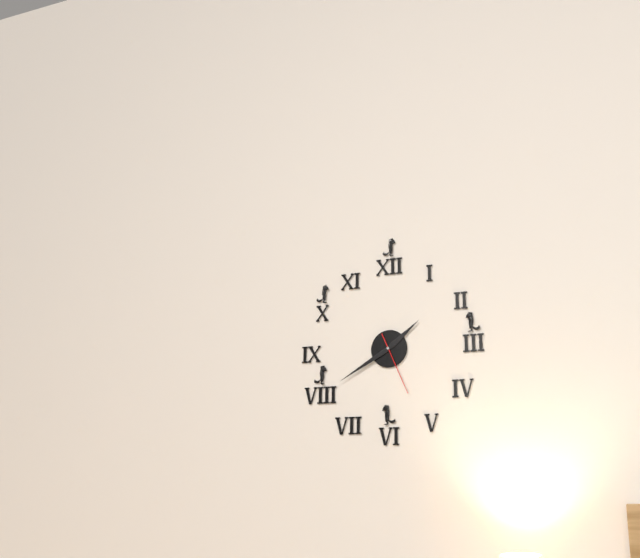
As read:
1:40:26
